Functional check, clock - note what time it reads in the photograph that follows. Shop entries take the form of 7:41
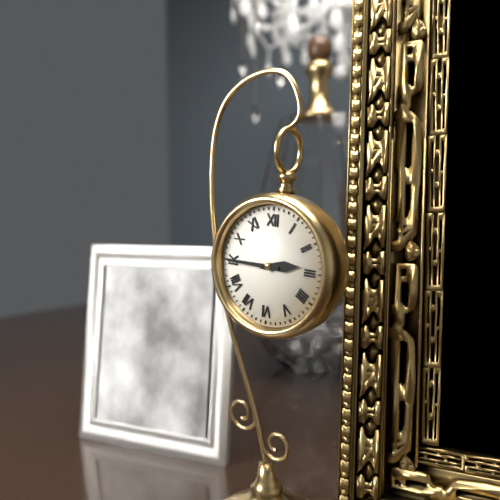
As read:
2:45
